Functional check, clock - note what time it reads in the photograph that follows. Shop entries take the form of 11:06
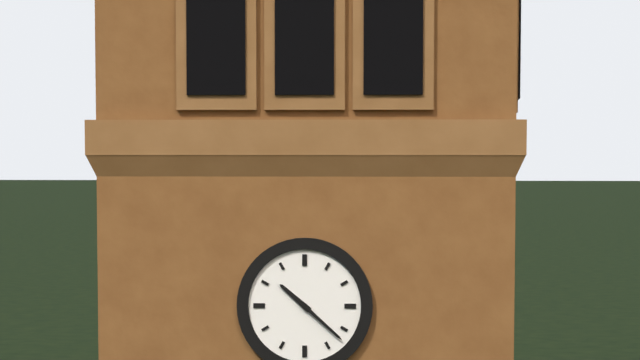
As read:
10:22
